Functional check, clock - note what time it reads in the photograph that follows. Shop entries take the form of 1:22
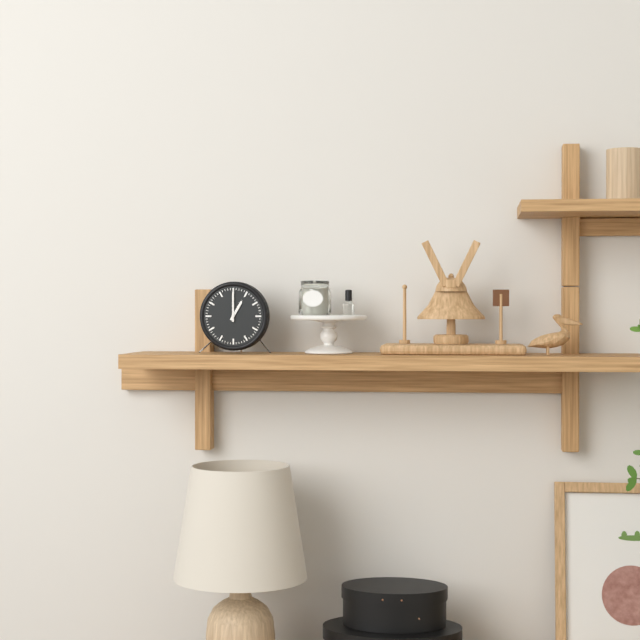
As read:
1:00
